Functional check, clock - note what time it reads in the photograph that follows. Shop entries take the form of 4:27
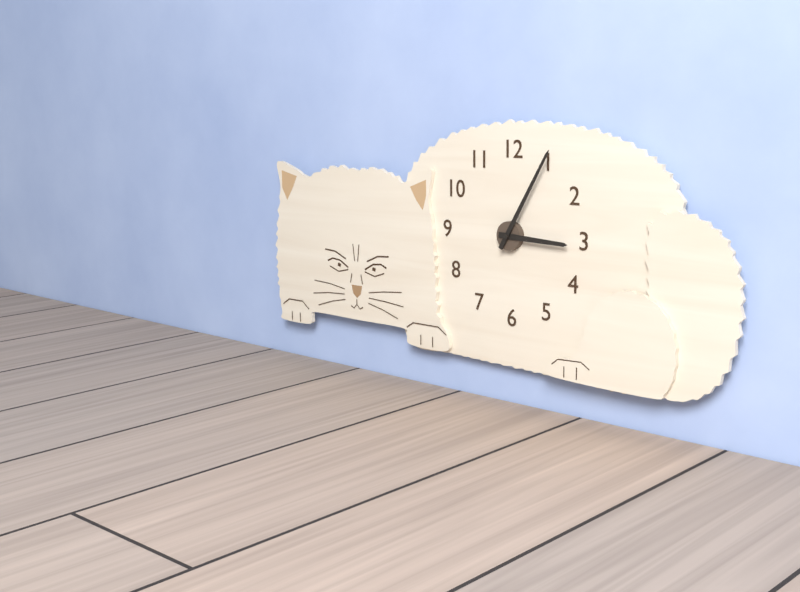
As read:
3:05
